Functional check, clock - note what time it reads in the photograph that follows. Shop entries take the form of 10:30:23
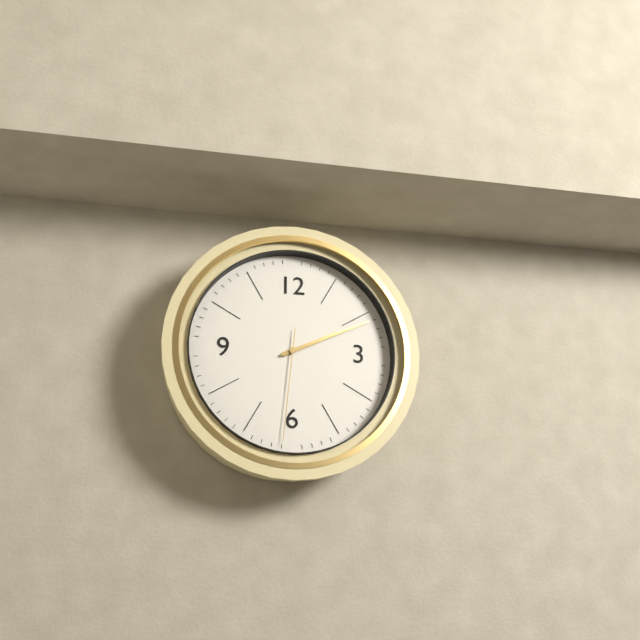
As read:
2:11:31
